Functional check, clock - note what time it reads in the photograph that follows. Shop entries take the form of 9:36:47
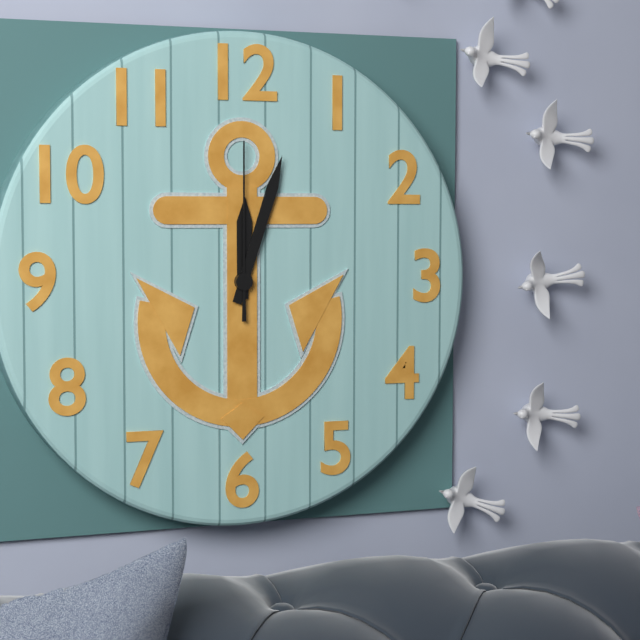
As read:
12:03:00
